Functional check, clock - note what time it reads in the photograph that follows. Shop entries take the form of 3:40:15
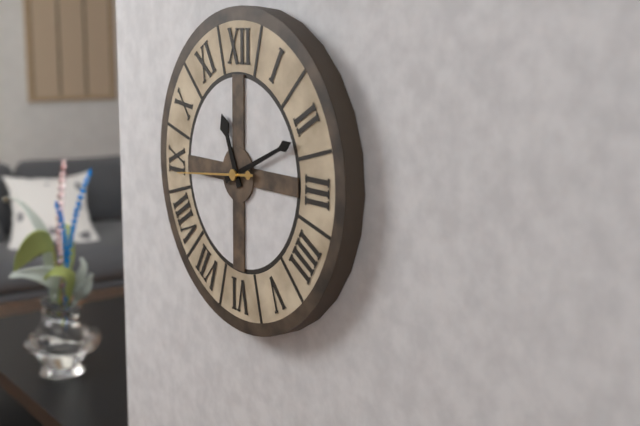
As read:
11:11:44
